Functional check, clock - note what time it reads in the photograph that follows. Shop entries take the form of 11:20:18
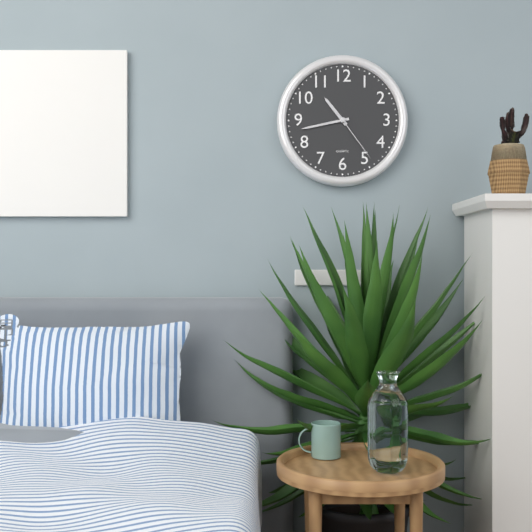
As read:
10:43:24
